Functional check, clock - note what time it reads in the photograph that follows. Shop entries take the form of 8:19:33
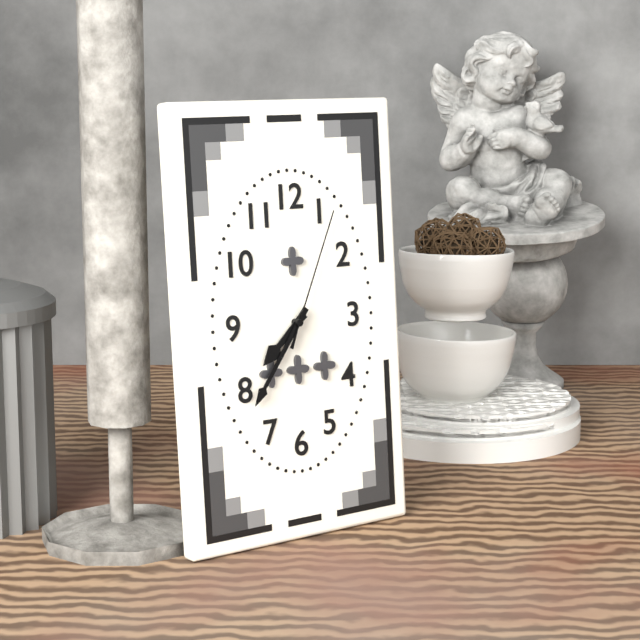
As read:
7:36:04
